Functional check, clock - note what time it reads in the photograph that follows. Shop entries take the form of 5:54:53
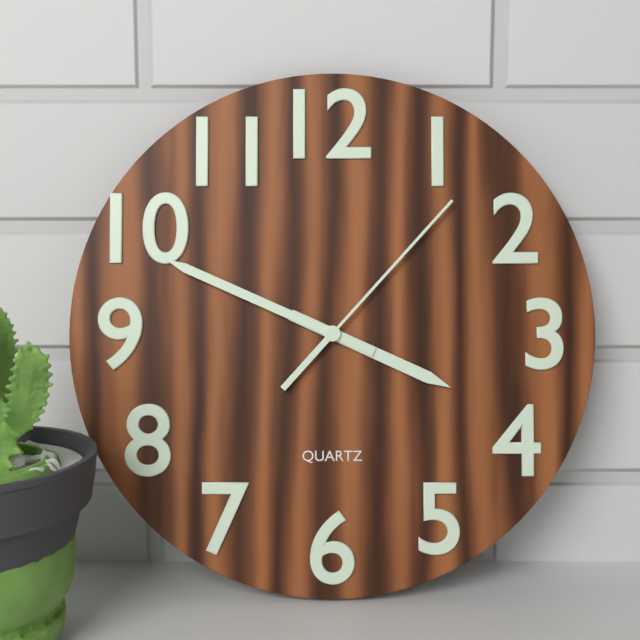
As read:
3:49:07
